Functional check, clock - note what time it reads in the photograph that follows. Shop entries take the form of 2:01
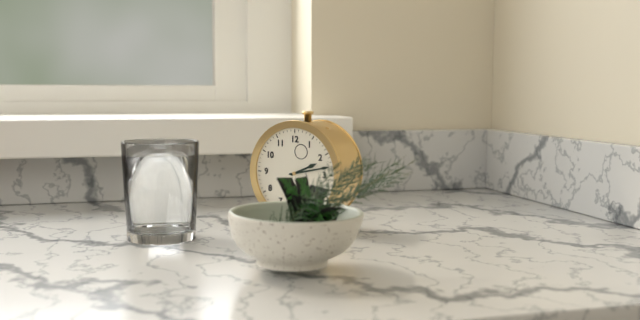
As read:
2:13
